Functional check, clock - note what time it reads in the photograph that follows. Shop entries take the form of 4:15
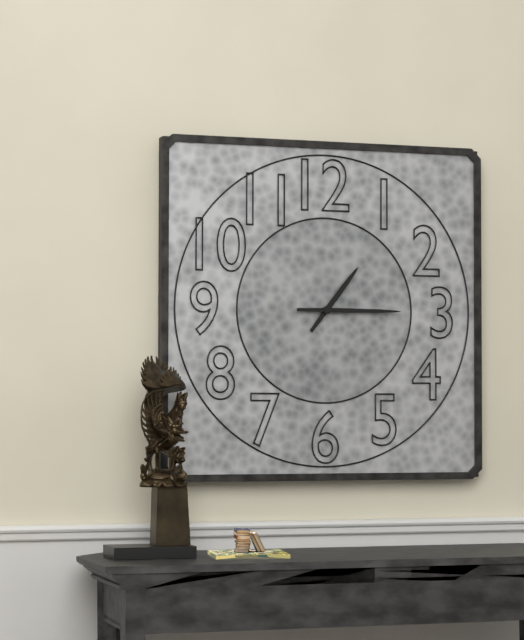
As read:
1:15
